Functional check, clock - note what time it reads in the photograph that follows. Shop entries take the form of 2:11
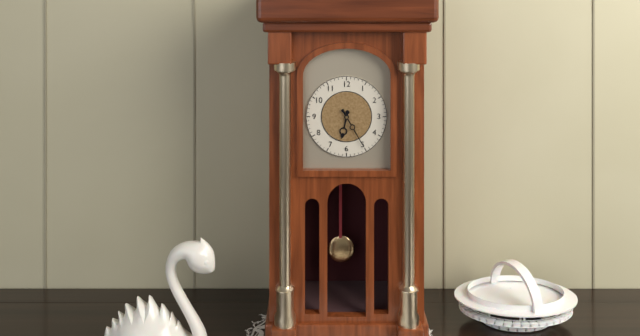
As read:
6:25
